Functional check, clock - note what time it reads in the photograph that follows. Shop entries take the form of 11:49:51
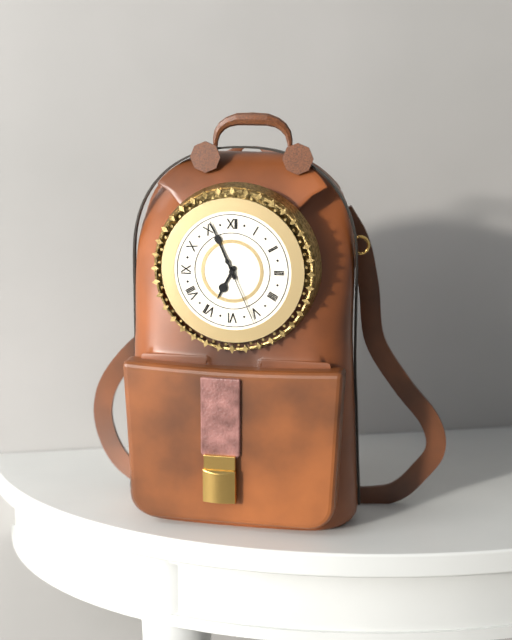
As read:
6:56:26
